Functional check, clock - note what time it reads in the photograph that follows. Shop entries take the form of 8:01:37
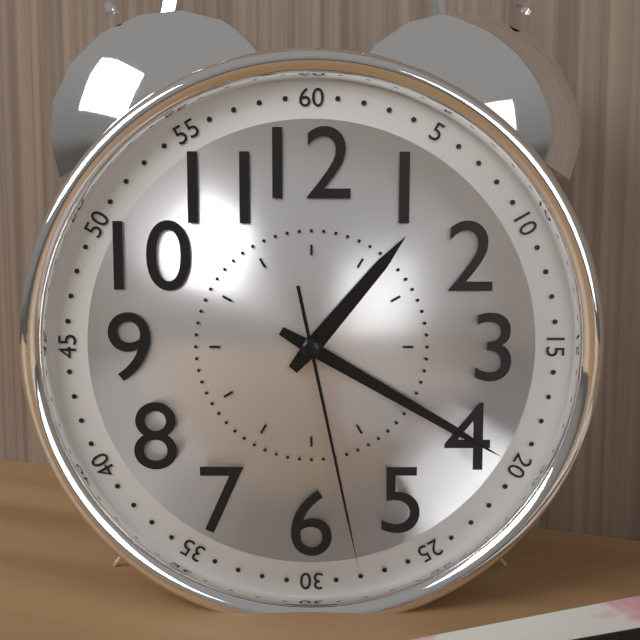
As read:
1:20:28
